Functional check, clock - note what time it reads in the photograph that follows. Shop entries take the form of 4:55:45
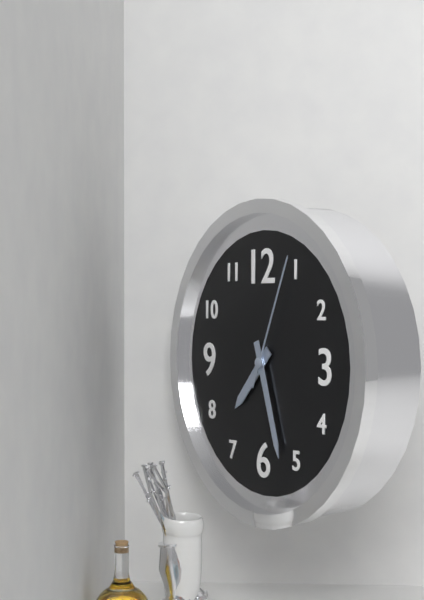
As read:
7:27:04
